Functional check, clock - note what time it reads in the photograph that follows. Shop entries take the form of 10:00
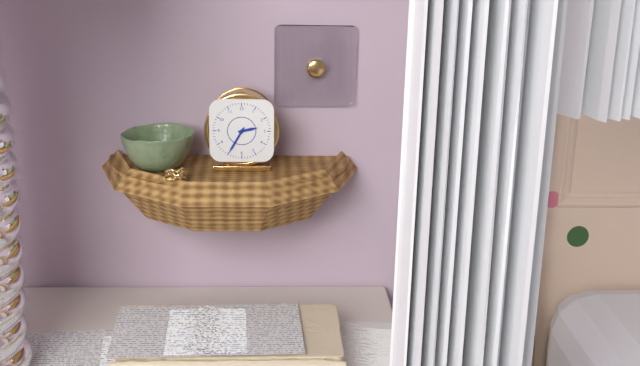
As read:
2:35
